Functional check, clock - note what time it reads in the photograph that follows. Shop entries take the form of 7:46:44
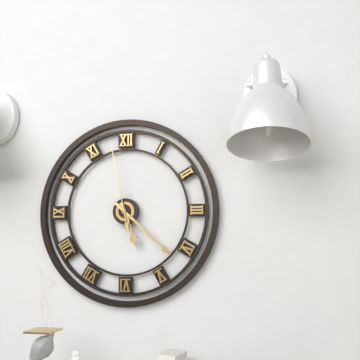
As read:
5:22:58
